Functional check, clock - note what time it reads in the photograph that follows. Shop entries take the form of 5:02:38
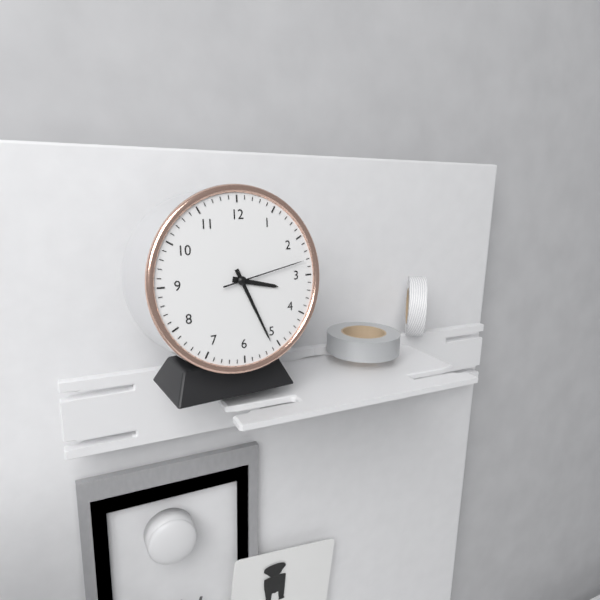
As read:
3:26:13
